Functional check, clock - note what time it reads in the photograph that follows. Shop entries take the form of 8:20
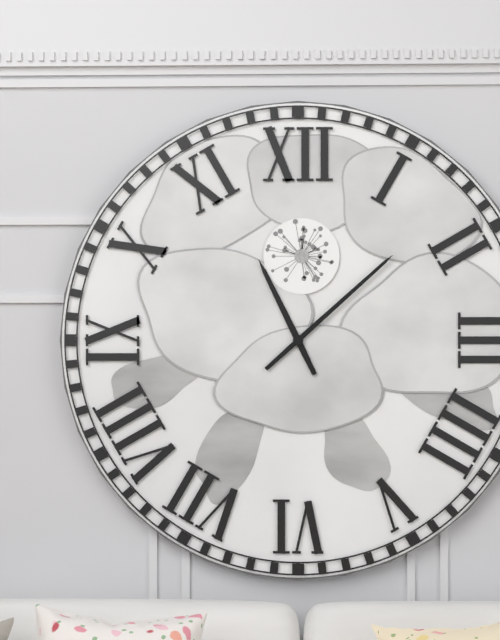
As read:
11:08
